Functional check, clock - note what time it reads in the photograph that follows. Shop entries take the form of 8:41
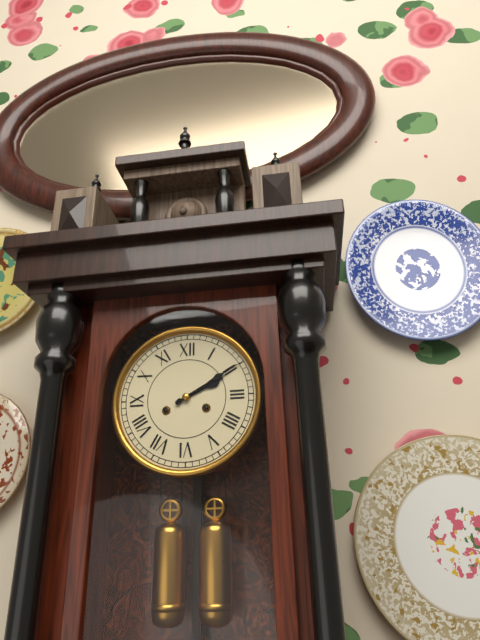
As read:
2:10
